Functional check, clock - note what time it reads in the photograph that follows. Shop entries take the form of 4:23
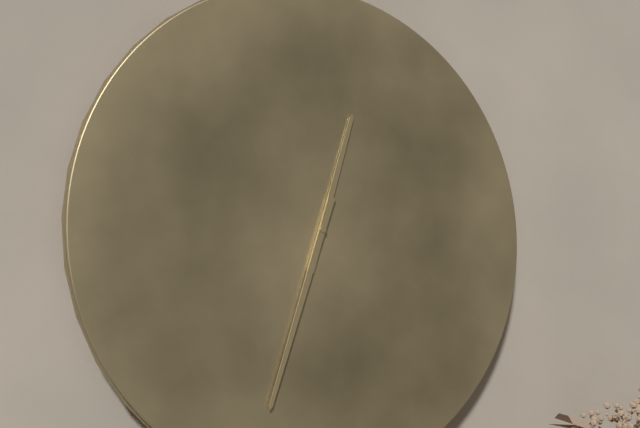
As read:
12:33
